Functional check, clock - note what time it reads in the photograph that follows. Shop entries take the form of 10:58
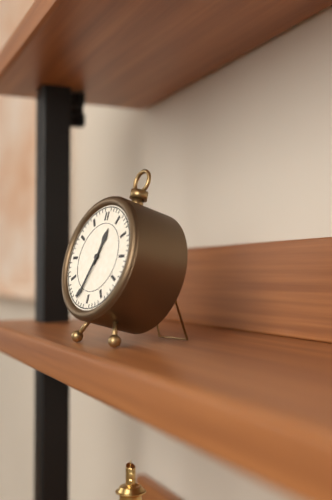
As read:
12:34
